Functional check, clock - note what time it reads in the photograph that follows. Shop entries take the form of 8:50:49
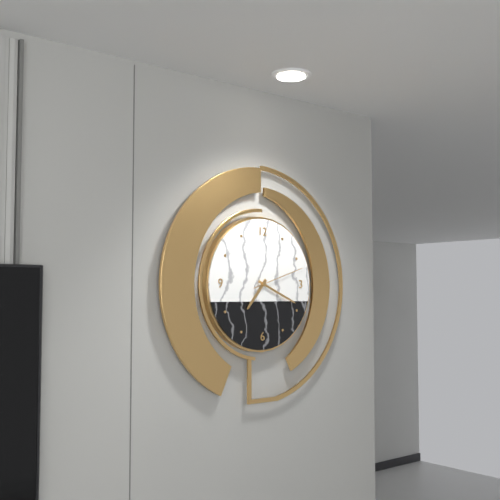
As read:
7:19:12
